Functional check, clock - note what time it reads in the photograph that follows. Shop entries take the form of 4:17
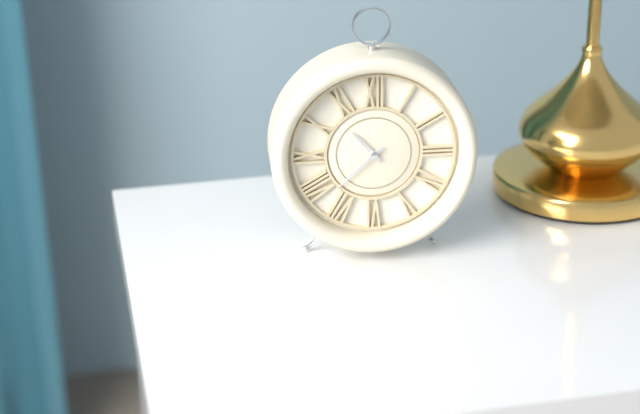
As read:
10:38
